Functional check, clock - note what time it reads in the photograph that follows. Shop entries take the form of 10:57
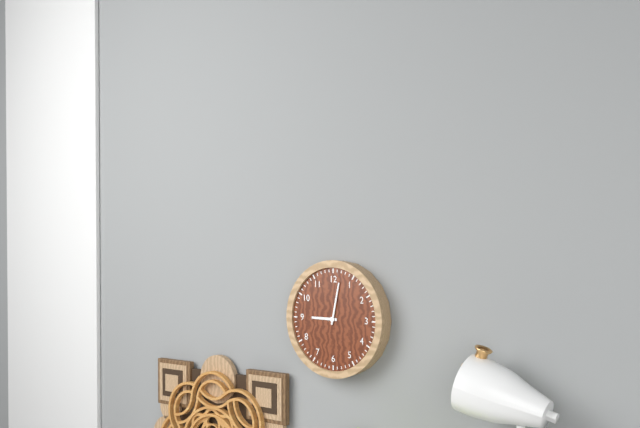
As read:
9:02
